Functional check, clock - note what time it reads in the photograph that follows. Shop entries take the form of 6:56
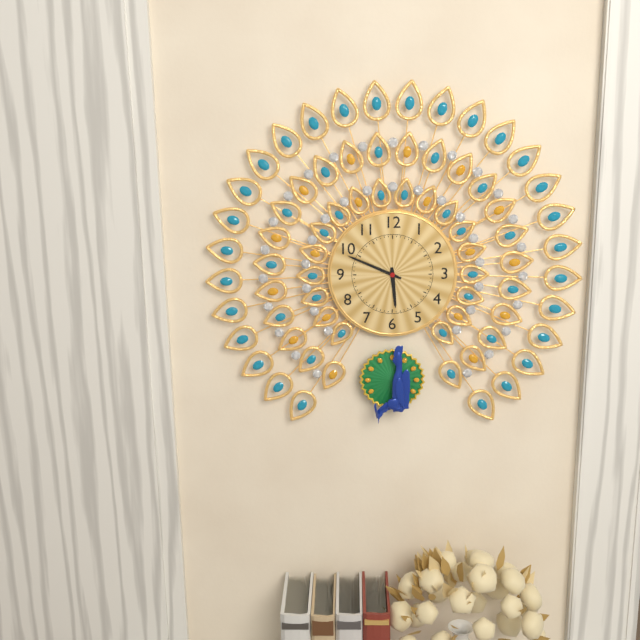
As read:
5:49
